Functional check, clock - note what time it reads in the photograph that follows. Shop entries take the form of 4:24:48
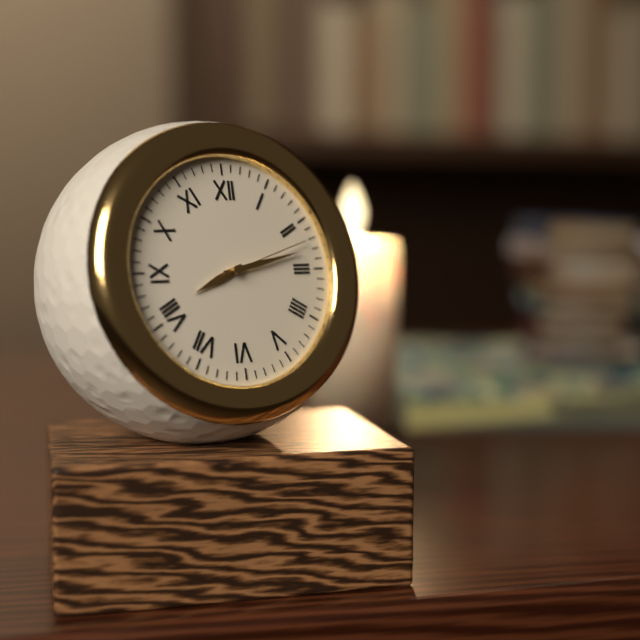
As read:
8:13:12
